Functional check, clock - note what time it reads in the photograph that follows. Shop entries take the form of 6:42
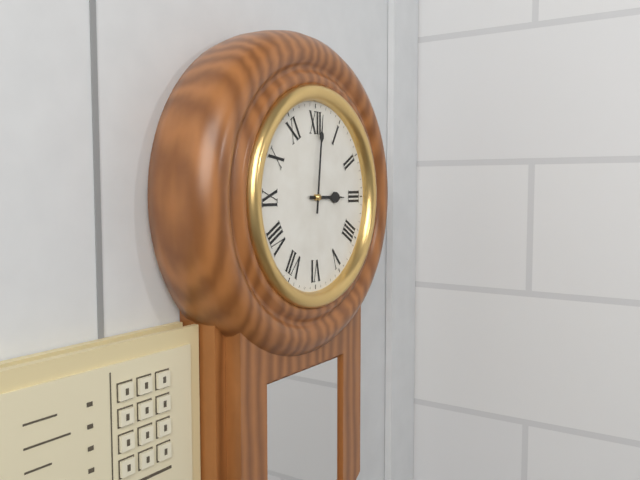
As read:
3:01
